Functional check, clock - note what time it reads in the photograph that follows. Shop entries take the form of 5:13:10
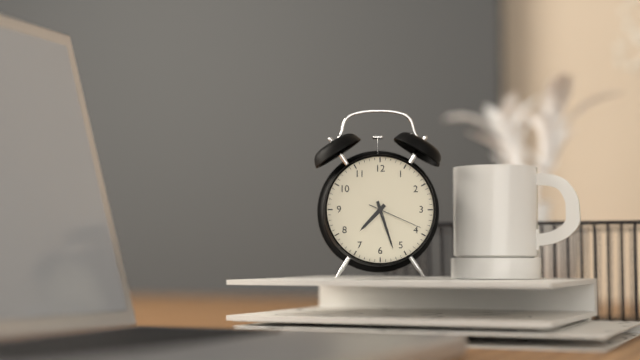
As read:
7:27:19
